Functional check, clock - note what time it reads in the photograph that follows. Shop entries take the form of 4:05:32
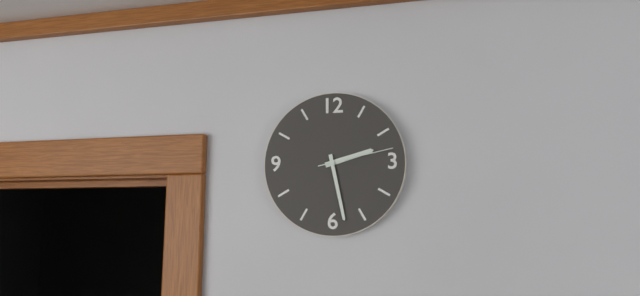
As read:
2:28:13
